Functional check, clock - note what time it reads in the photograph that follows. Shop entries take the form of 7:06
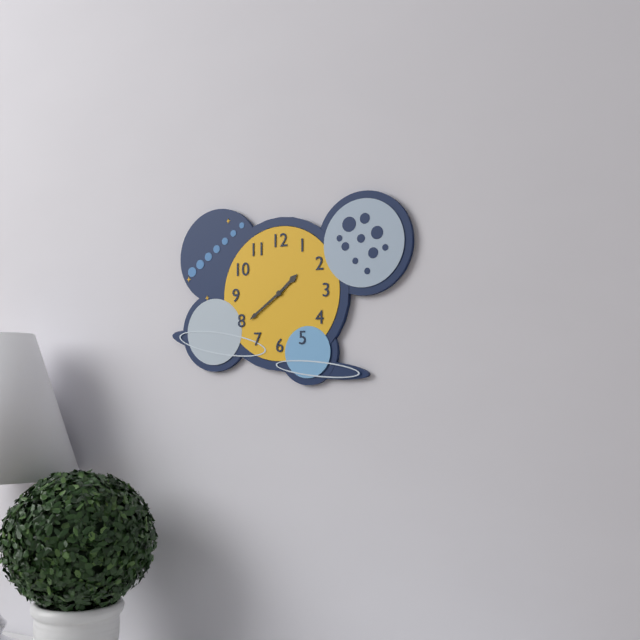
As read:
1:39
